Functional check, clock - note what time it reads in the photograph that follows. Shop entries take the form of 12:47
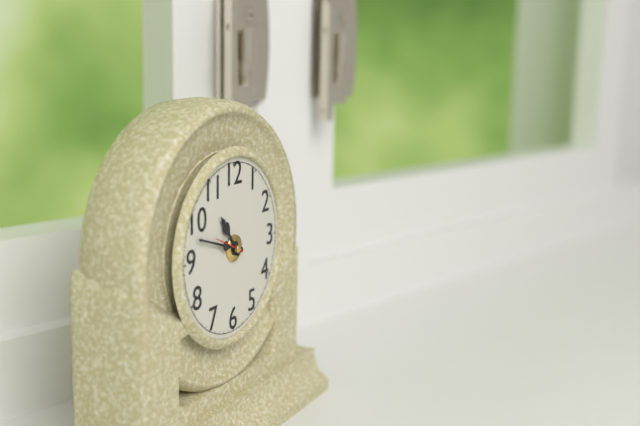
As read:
10:48
